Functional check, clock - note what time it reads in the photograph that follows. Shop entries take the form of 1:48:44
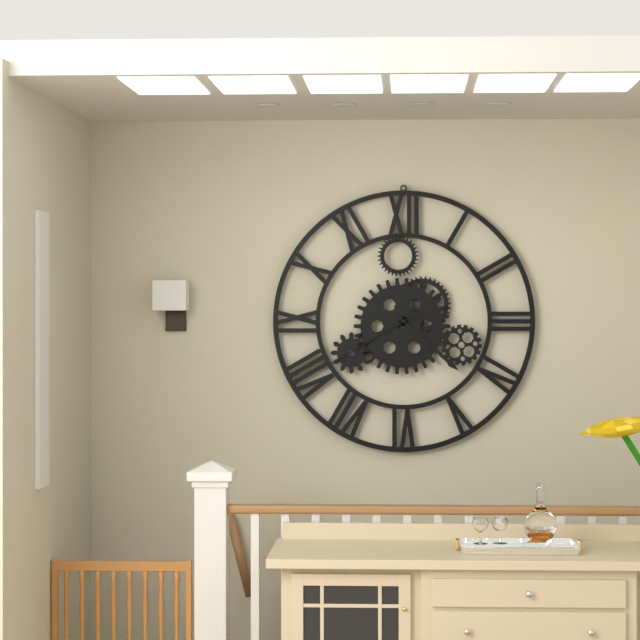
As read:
2:22:40
